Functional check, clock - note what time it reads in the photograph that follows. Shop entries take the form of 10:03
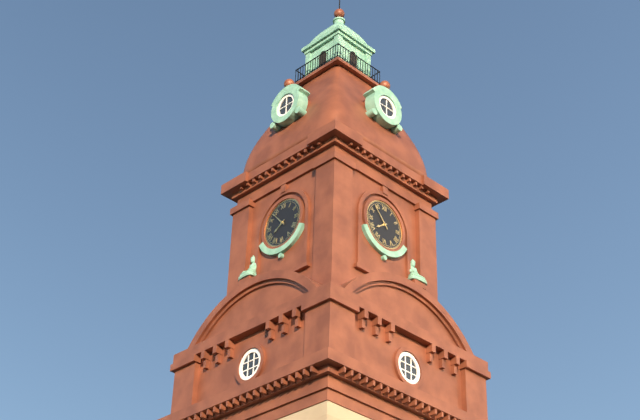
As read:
7:53
